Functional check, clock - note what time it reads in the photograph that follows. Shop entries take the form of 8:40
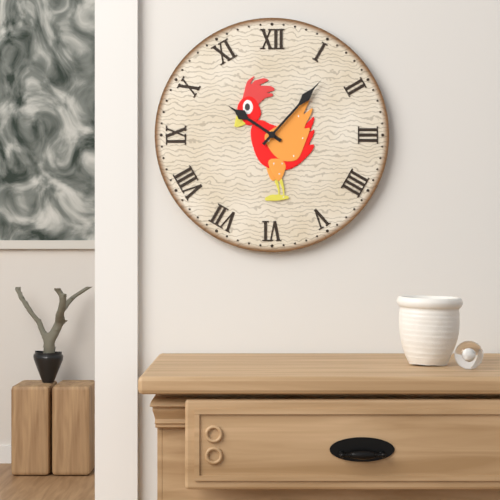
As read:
10:07
